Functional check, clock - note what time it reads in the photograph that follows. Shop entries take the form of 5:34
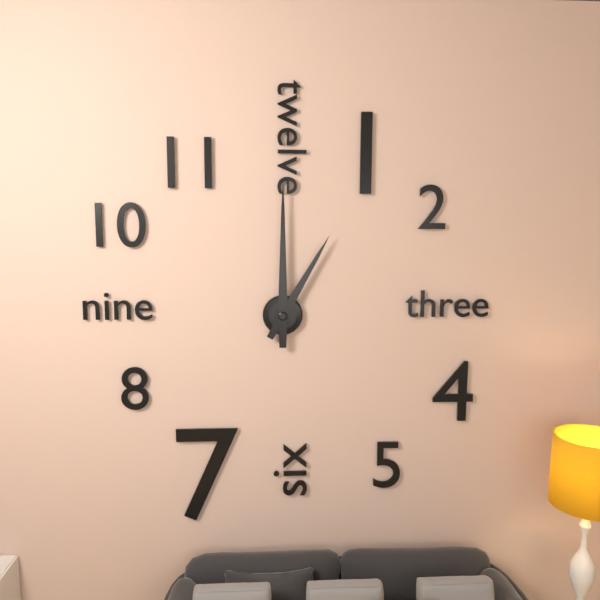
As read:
1:00
